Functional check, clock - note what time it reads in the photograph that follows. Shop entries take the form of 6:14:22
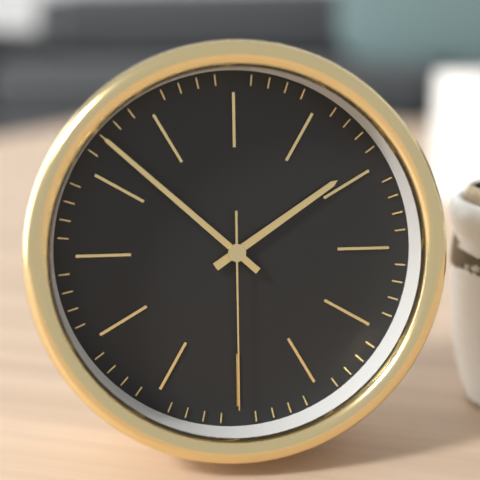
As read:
1:52:30
